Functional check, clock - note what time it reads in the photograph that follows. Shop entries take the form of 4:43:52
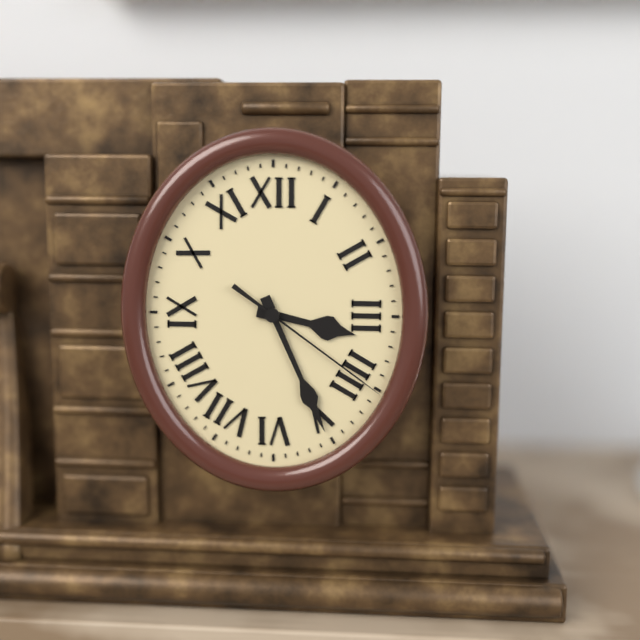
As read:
3:26:21
